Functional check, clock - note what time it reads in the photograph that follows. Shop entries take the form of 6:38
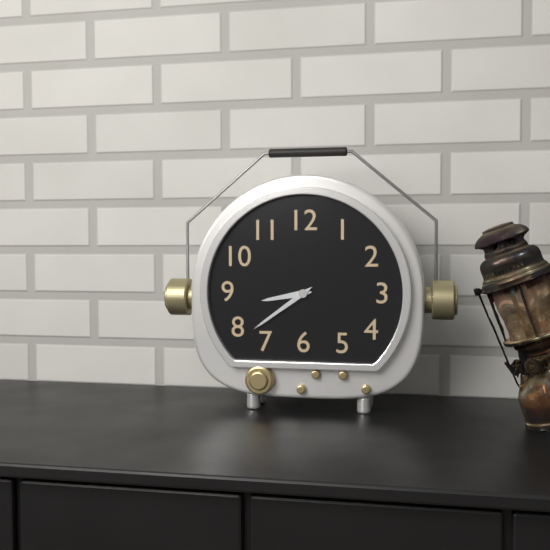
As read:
8:39
